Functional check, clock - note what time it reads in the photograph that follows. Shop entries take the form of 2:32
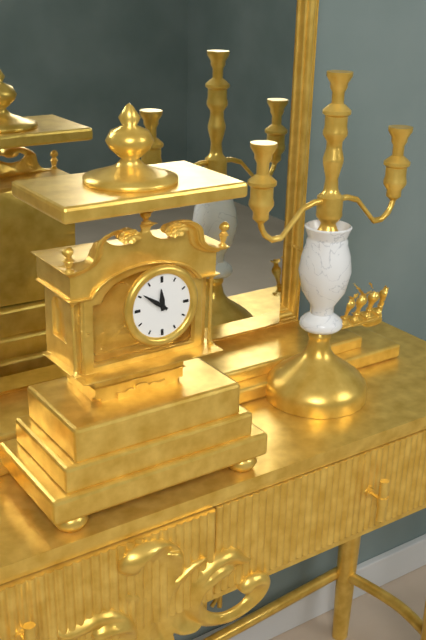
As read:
11:51
